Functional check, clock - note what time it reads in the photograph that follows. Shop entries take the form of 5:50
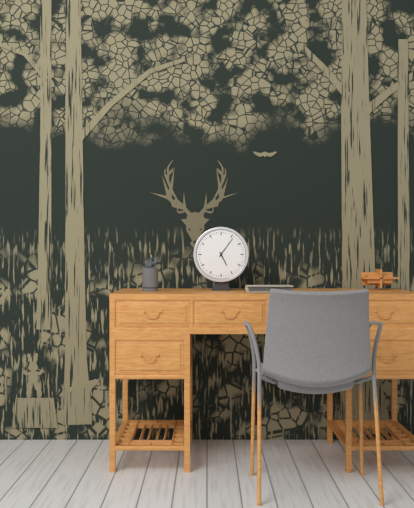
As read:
5:06
